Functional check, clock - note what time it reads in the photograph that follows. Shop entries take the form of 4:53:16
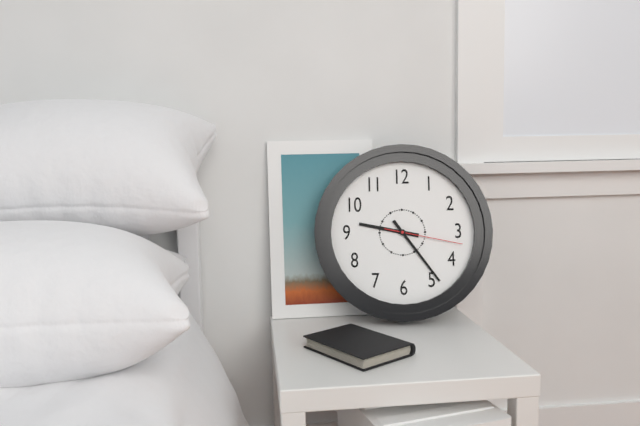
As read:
9:24:17
